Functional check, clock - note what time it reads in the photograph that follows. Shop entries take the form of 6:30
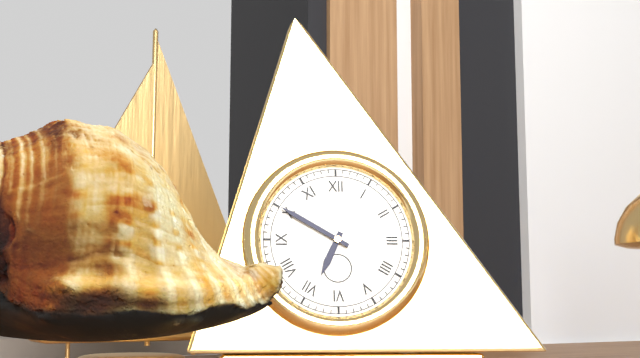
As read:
6:50
